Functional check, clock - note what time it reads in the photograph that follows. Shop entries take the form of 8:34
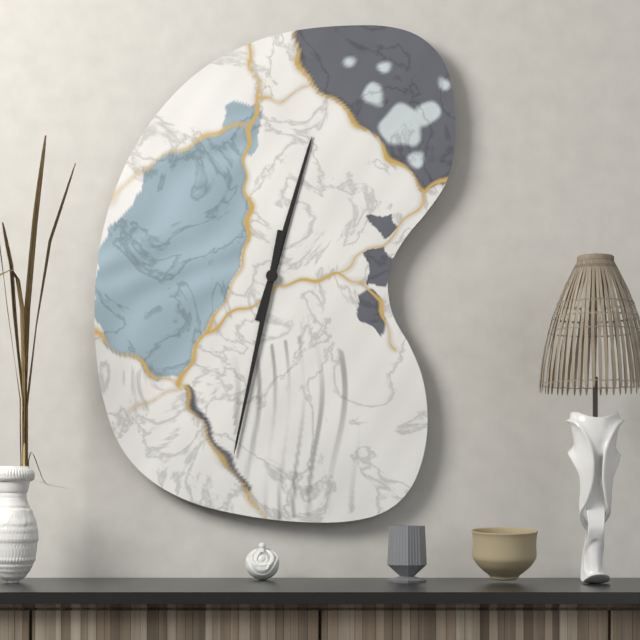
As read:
12:32
